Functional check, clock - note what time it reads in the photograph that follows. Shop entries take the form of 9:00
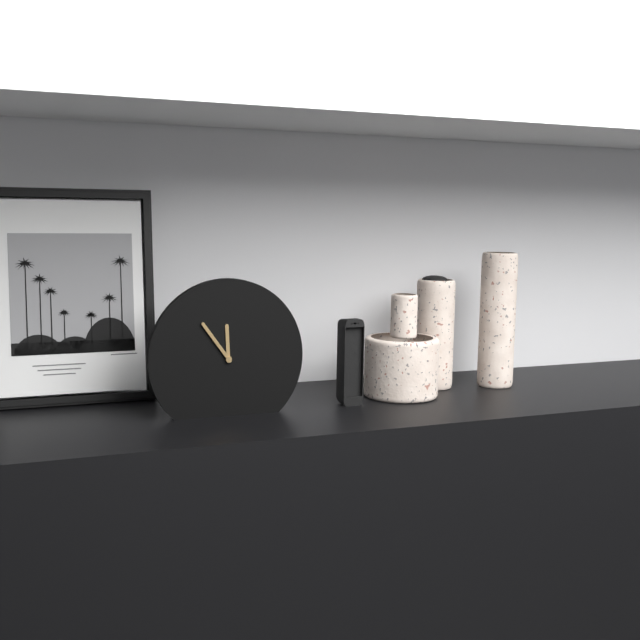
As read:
11:54
